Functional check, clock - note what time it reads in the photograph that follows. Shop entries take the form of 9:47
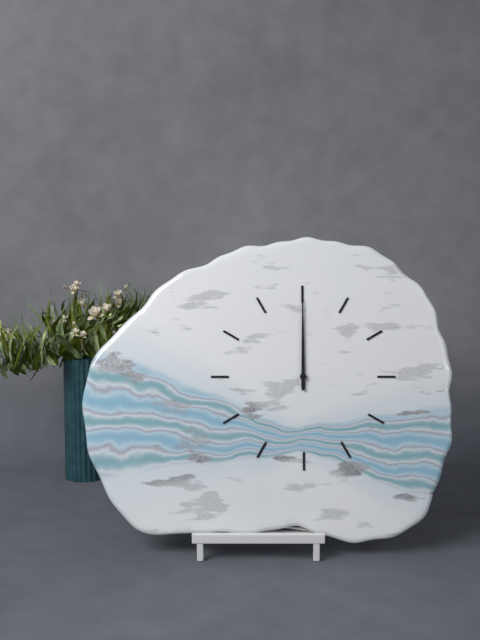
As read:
12:00
